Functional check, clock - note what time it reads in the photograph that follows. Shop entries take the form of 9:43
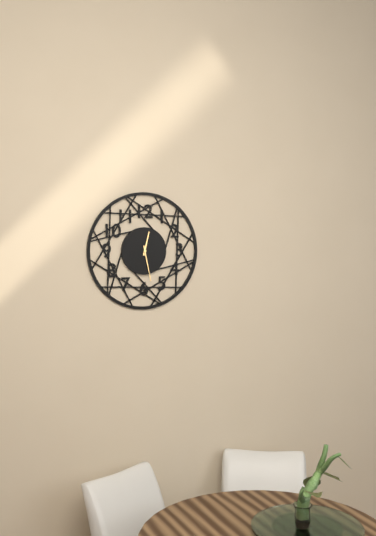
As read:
12:28
